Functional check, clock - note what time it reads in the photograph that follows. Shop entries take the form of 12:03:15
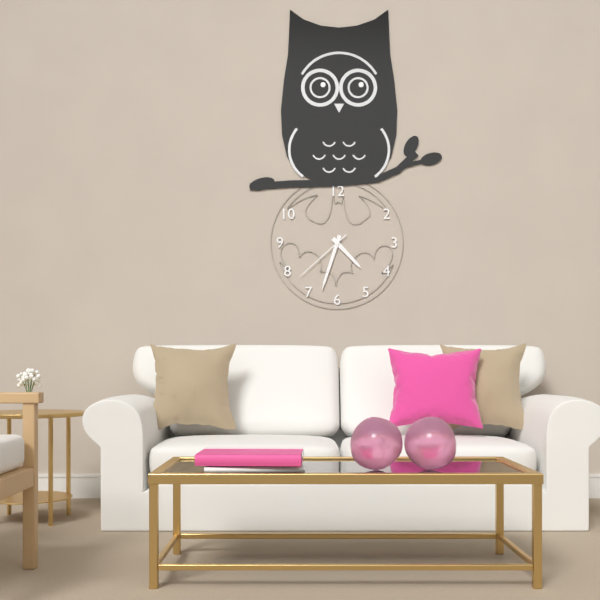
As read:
4:33:38
